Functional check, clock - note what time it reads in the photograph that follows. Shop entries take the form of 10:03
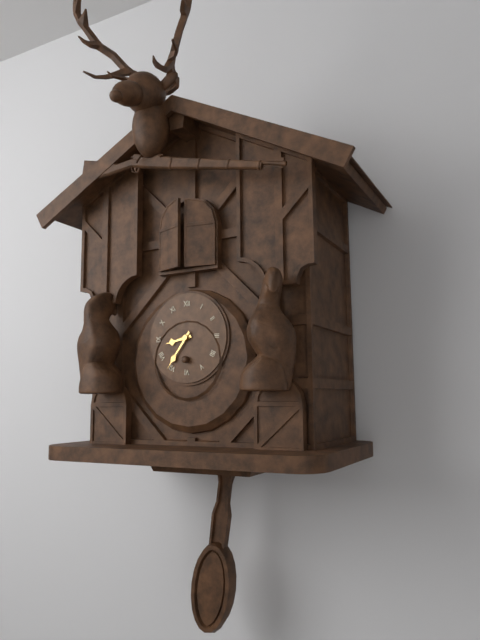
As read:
8:36
